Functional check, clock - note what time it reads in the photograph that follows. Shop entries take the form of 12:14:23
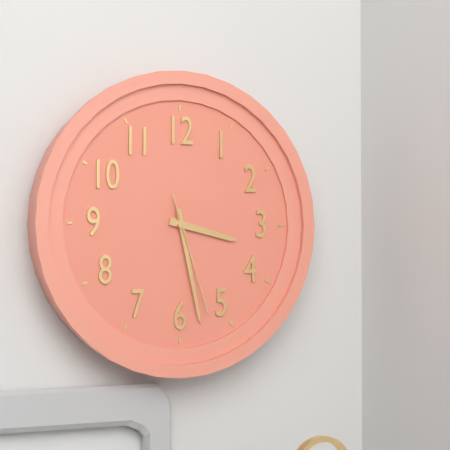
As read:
3:28:27
